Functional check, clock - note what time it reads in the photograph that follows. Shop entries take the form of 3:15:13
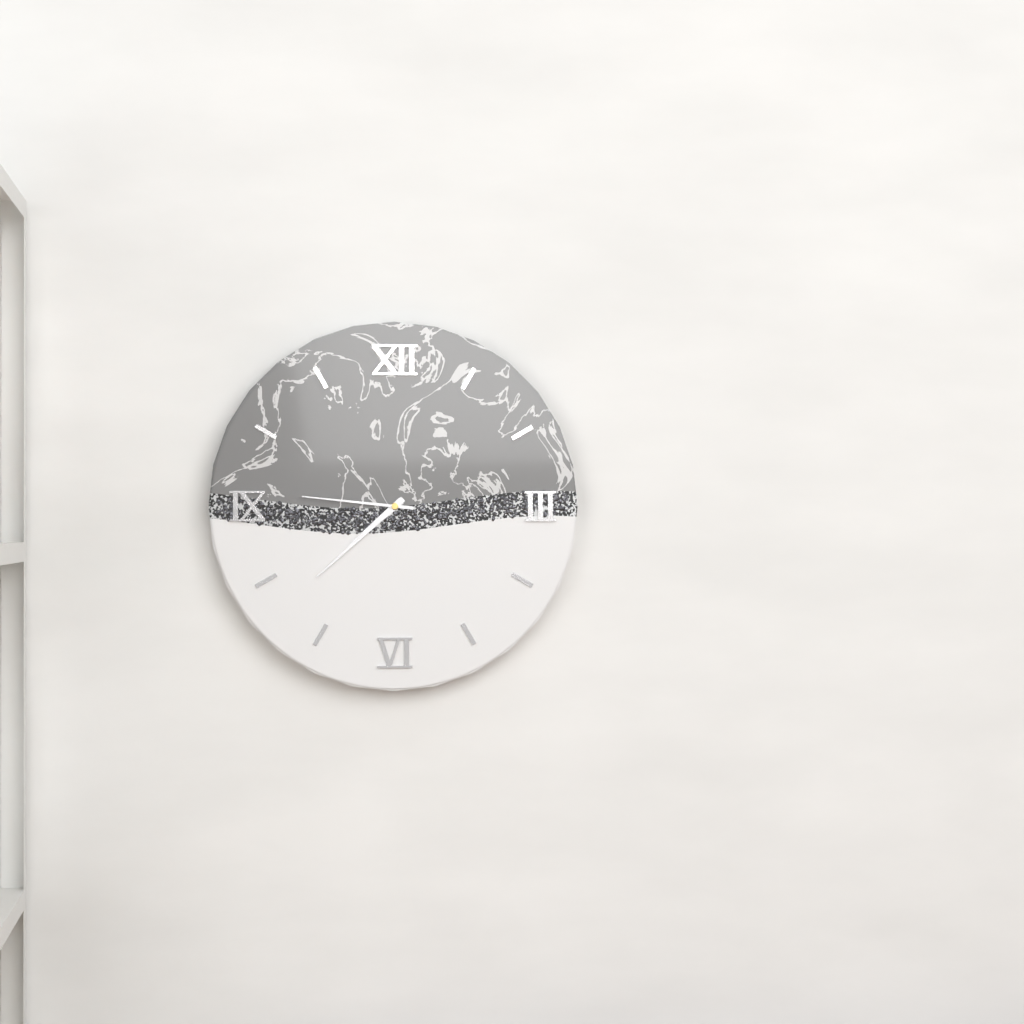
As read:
7:38:46
